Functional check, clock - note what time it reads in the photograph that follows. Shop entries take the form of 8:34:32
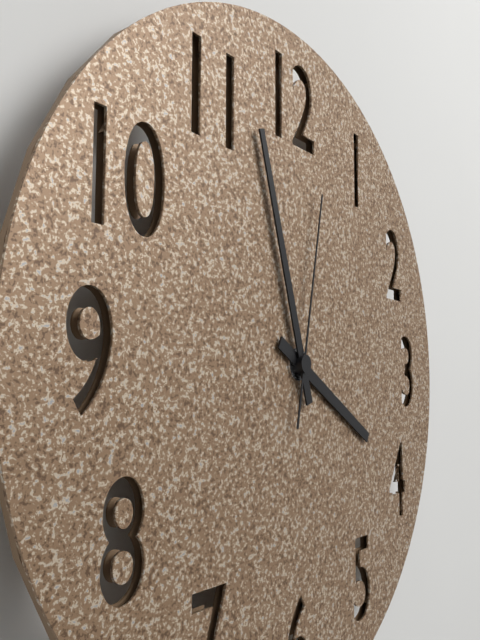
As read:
3:57:02
